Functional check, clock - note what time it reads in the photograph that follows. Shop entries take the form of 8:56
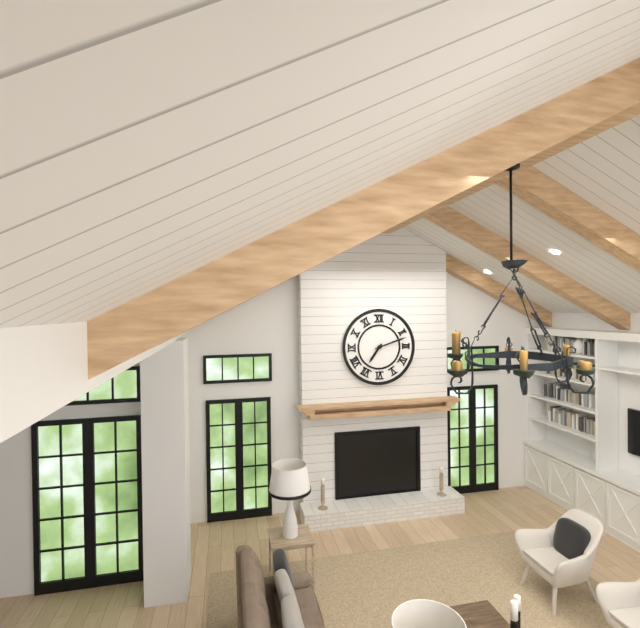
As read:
7:12
